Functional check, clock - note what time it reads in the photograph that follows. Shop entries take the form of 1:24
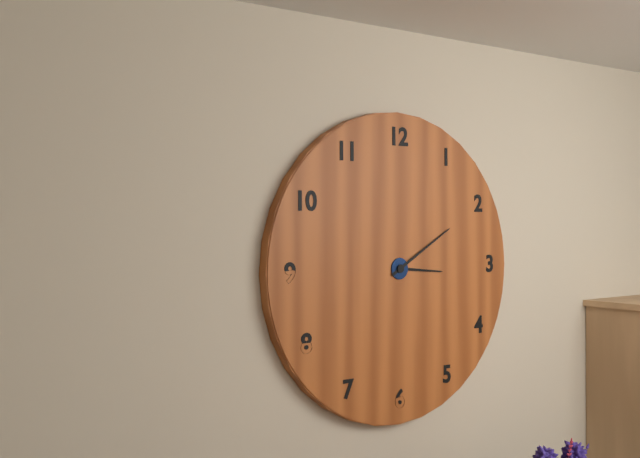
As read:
3:10
